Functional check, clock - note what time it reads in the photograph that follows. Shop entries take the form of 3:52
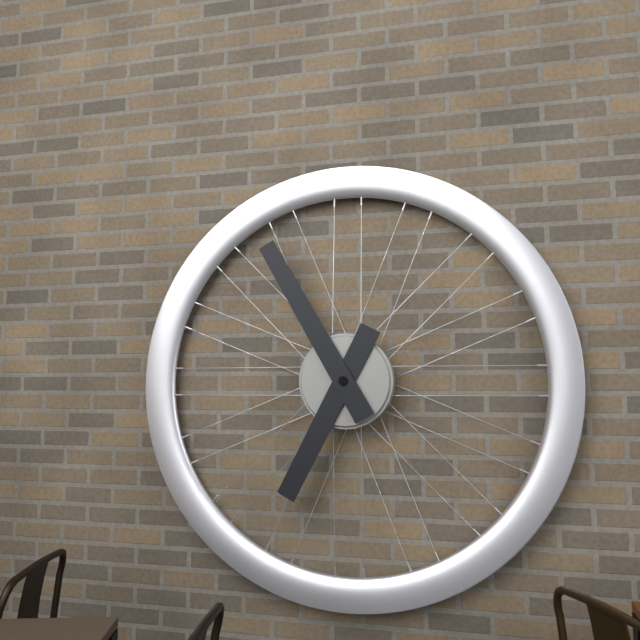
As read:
6:55
